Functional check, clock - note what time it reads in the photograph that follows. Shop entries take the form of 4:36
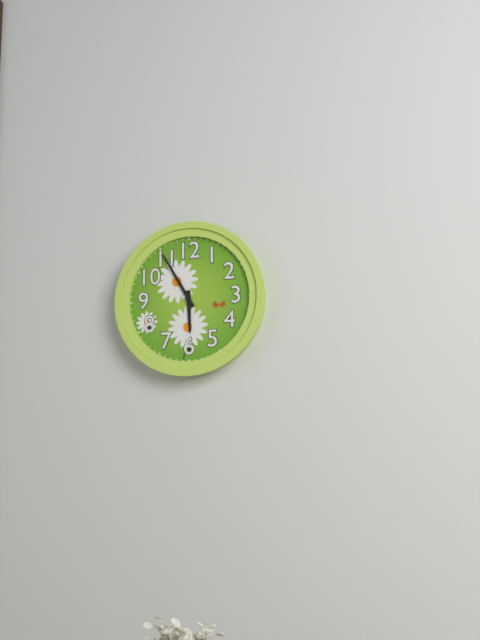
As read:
5:55
